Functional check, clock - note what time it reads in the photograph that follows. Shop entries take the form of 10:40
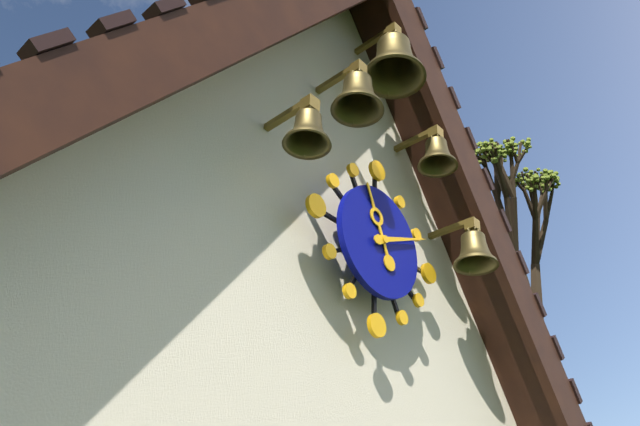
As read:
11:11
